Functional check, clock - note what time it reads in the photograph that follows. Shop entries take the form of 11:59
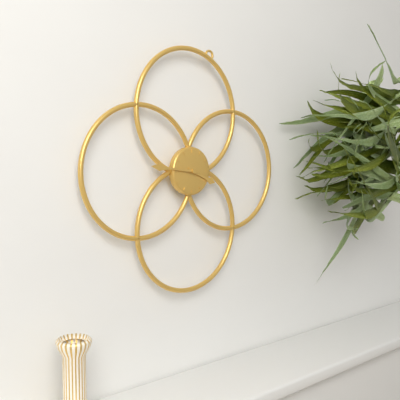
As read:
3:46
